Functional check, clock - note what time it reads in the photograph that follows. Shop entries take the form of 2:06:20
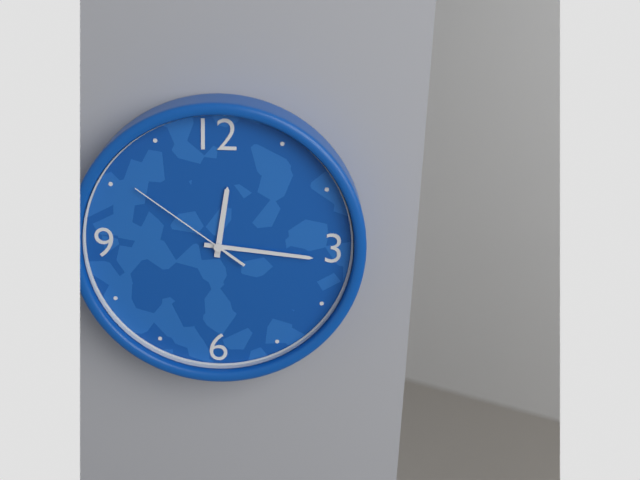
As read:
12:16:51
